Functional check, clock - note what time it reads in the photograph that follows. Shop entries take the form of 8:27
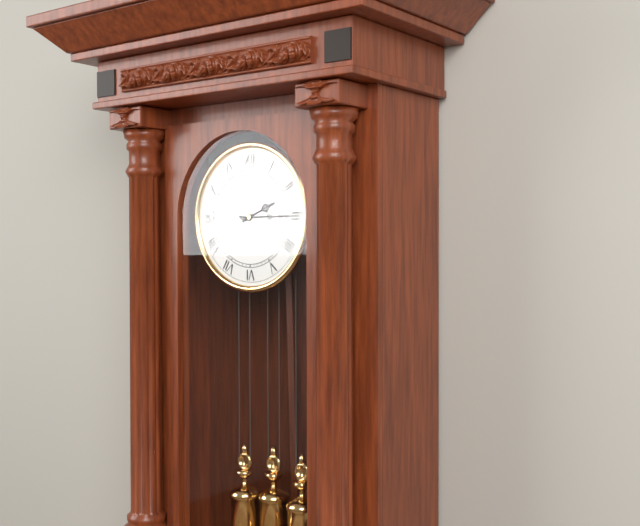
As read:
2:15
